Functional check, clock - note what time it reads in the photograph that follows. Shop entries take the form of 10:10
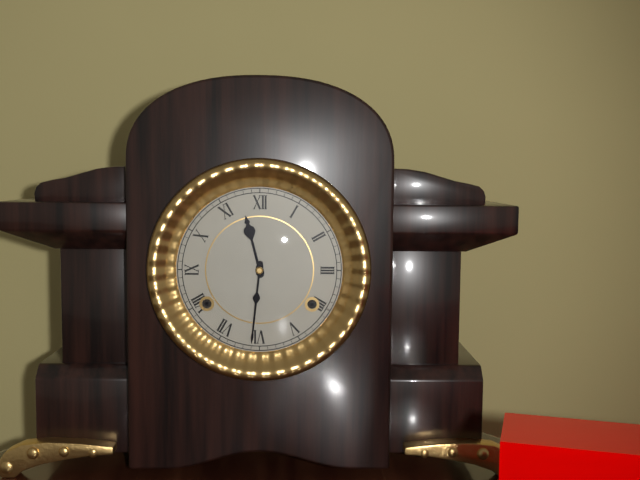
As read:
11:31
